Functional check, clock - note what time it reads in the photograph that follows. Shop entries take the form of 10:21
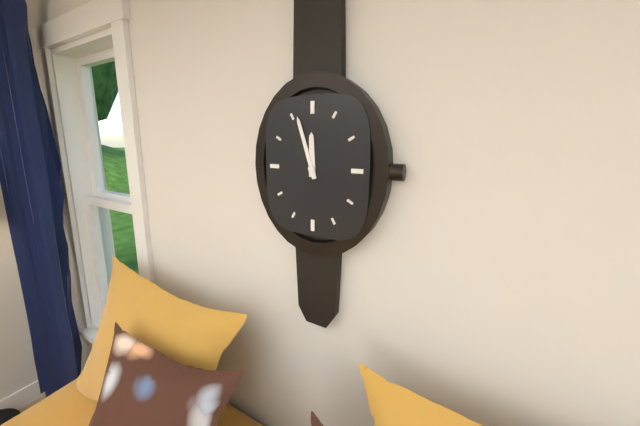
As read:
11:57
